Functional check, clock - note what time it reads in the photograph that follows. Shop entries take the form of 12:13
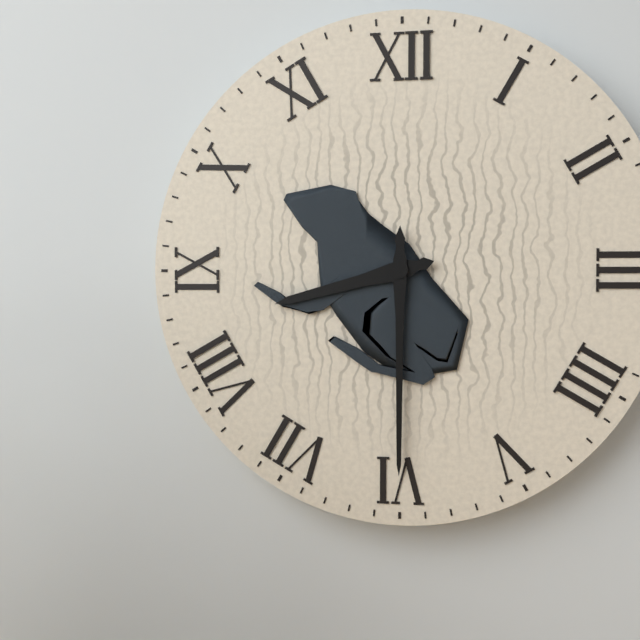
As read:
8:30
